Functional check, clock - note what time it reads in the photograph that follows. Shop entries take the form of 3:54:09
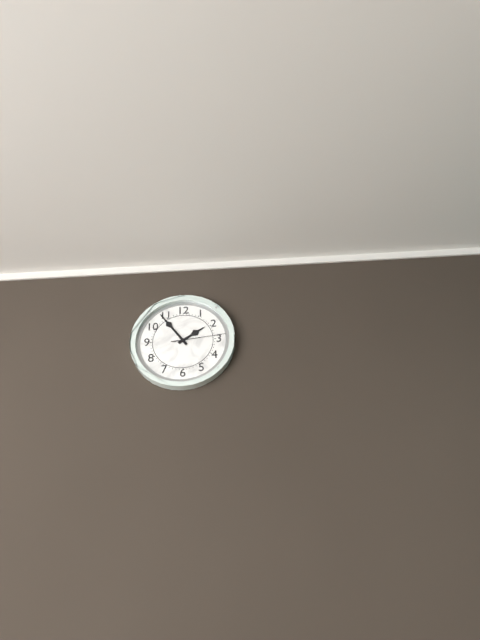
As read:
1:54:14
